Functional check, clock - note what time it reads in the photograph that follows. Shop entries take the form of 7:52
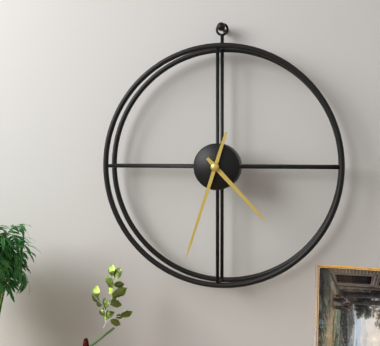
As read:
4:33
